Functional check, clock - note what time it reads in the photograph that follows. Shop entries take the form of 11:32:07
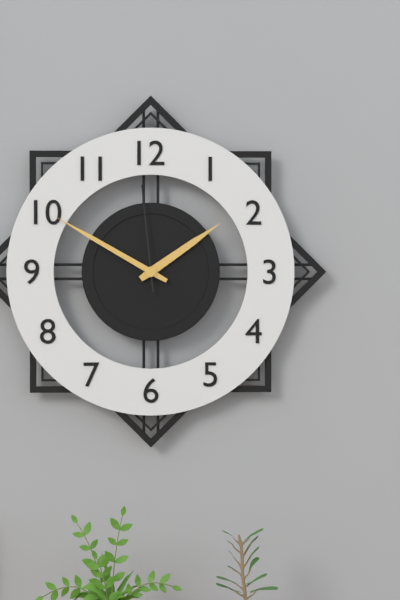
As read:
1:50:59
